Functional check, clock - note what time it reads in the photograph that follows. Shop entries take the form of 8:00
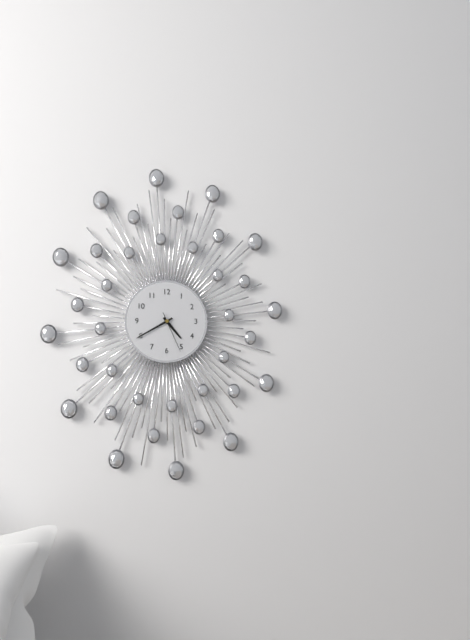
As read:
4:40
